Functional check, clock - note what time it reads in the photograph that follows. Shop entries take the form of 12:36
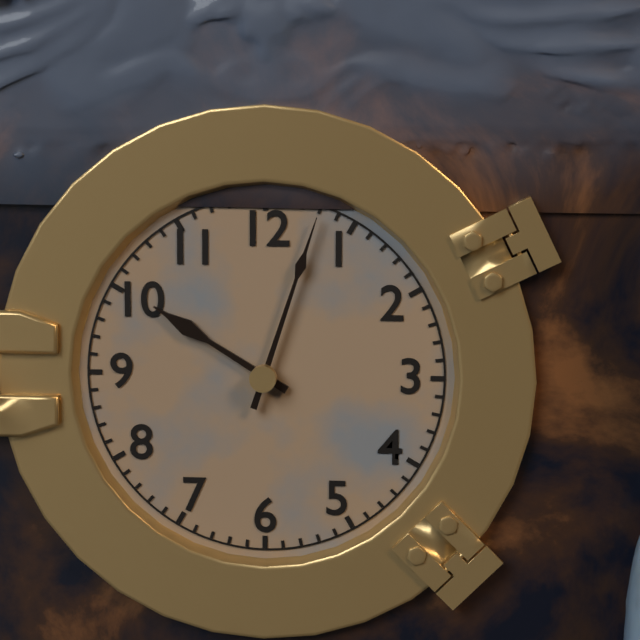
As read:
10:03
